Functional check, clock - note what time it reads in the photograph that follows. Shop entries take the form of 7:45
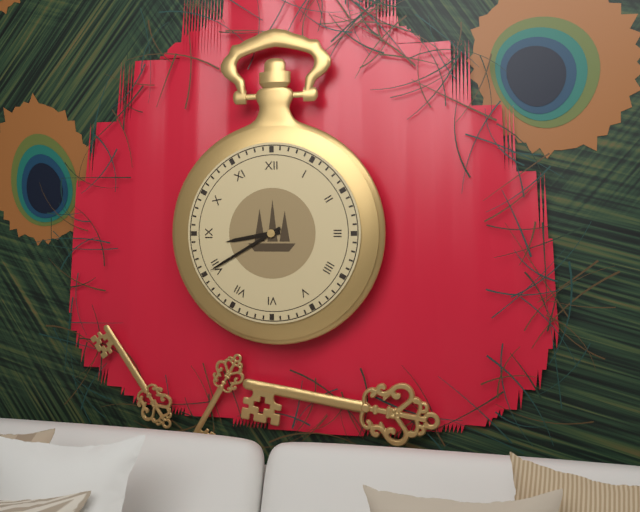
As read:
8:40
